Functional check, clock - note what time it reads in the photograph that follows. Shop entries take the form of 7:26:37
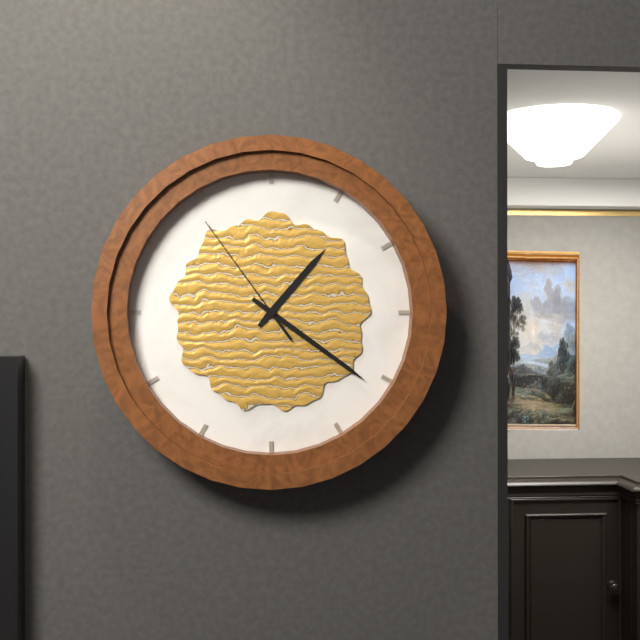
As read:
1:21:54
